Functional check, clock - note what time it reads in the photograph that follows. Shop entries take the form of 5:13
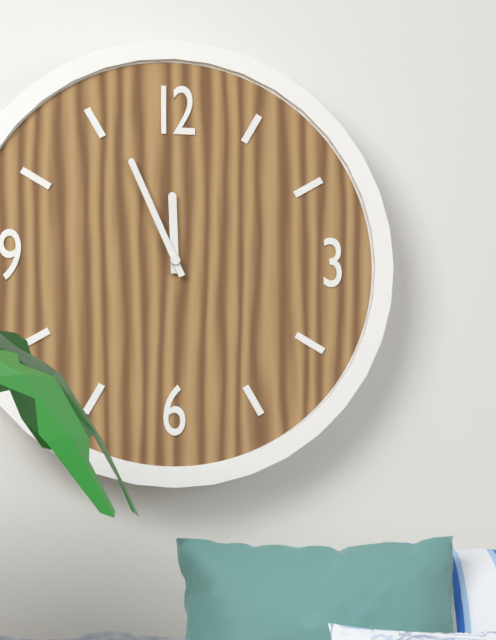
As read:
11:56
